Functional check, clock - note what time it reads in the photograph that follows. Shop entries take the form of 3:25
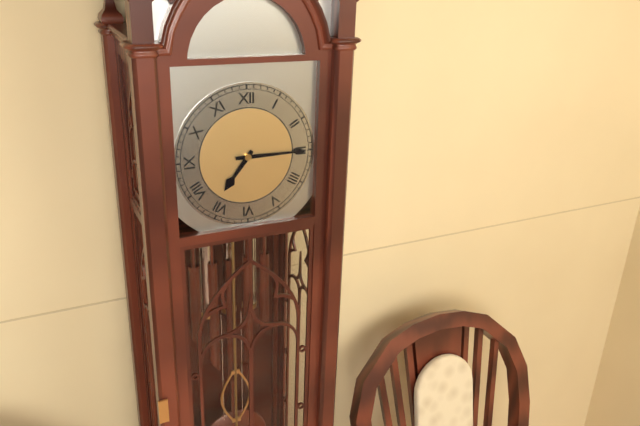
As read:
7:15
